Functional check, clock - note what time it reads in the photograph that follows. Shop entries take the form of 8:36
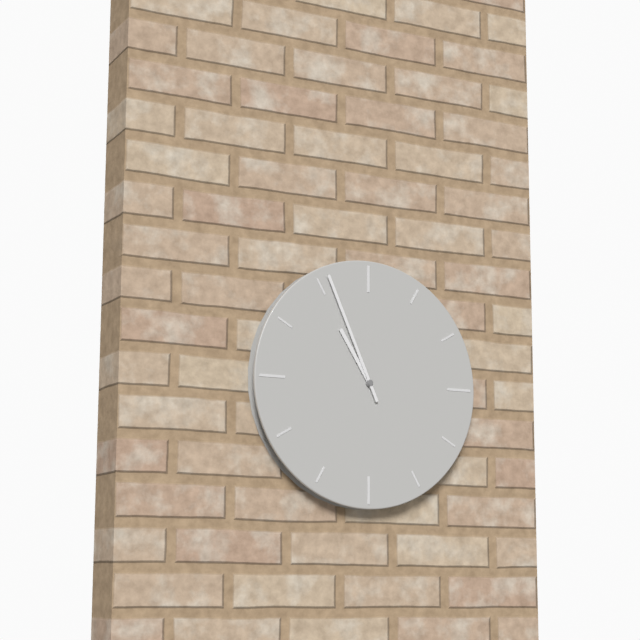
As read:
10:56
